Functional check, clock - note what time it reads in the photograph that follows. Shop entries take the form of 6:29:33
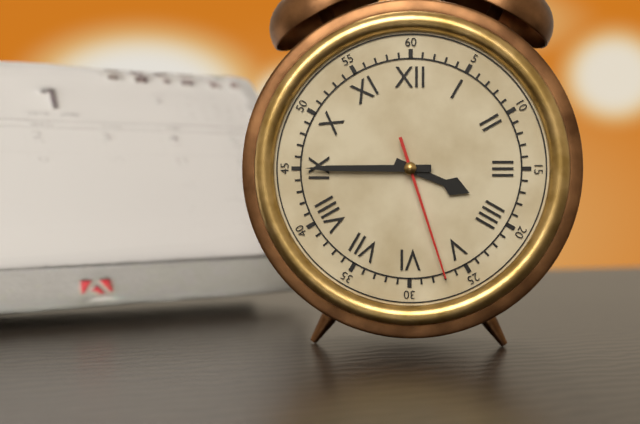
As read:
3:45:27
